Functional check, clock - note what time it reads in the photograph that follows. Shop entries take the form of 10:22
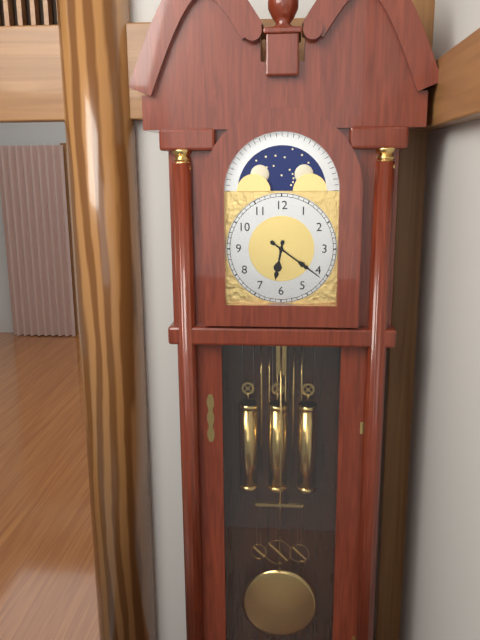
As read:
6:21
